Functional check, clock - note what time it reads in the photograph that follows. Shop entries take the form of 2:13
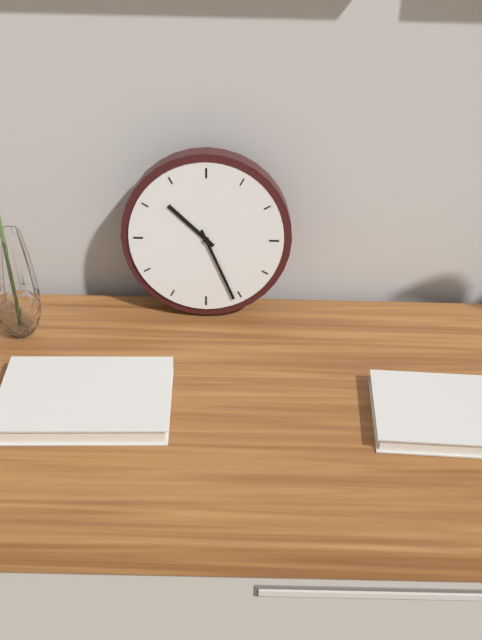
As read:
10:26
